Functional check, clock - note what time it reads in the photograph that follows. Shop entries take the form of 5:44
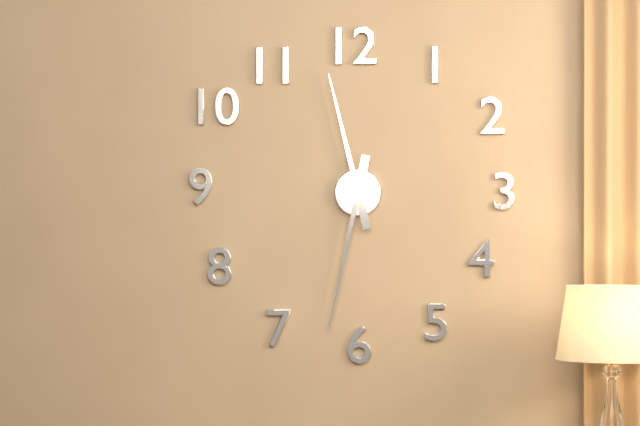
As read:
11:32
